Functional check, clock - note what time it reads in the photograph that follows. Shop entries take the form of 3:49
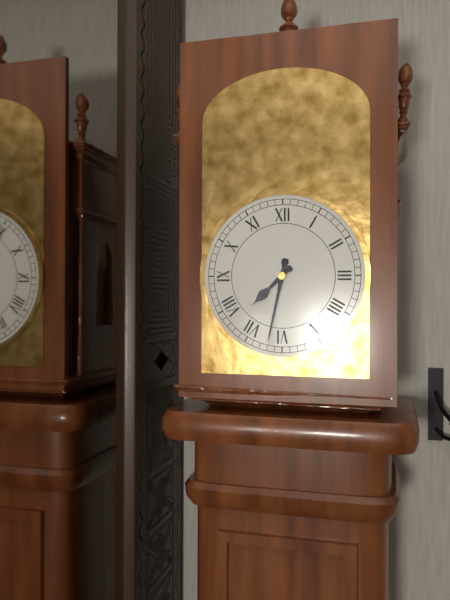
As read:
7:32
